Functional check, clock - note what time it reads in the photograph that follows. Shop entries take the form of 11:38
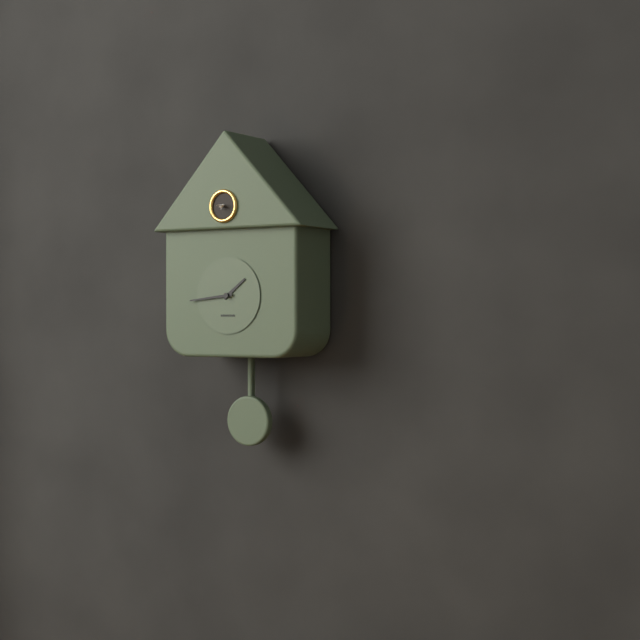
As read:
1:44
